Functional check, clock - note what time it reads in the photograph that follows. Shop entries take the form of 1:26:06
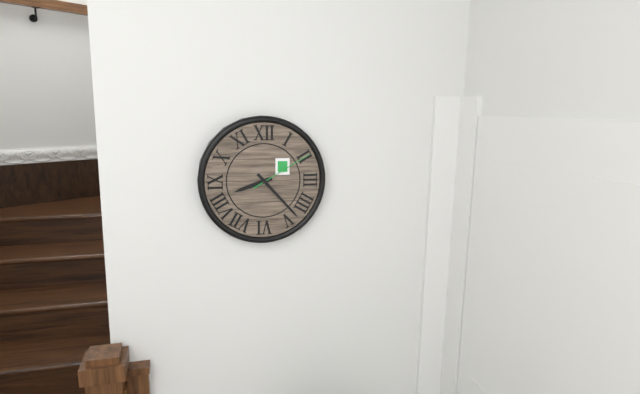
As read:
8:23:10
